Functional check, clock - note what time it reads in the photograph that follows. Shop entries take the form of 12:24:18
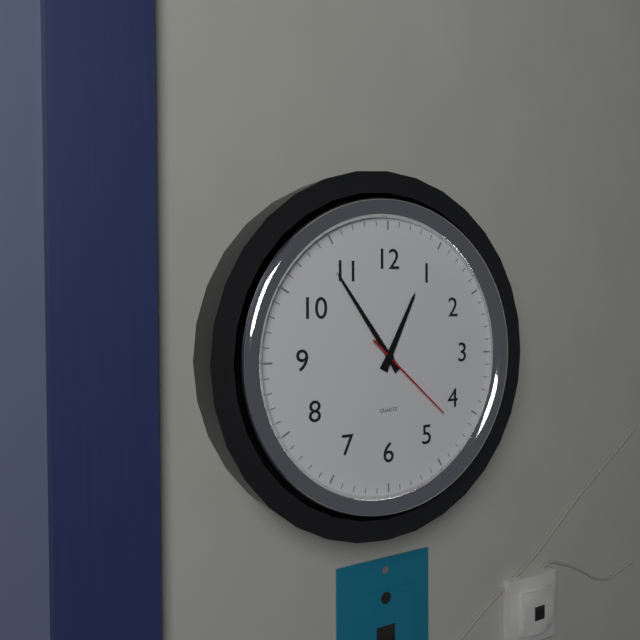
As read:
12:54:22
